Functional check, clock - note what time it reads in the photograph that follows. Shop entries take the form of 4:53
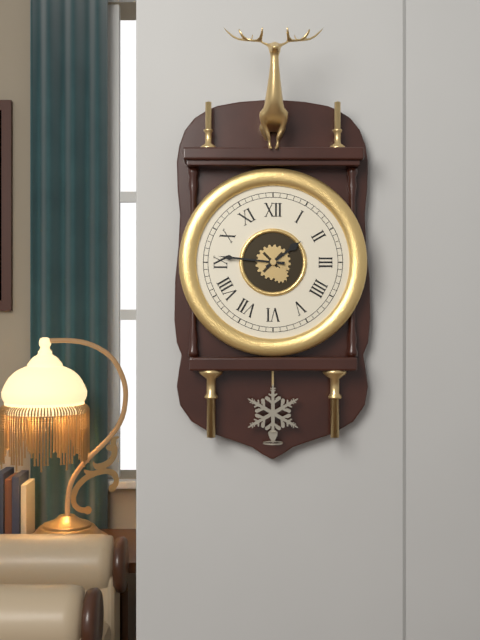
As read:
1:46
